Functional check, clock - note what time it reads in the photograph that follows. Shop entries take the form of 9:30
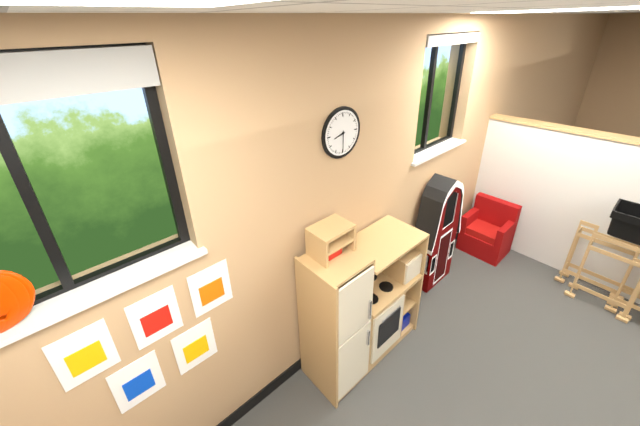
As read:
8:30
